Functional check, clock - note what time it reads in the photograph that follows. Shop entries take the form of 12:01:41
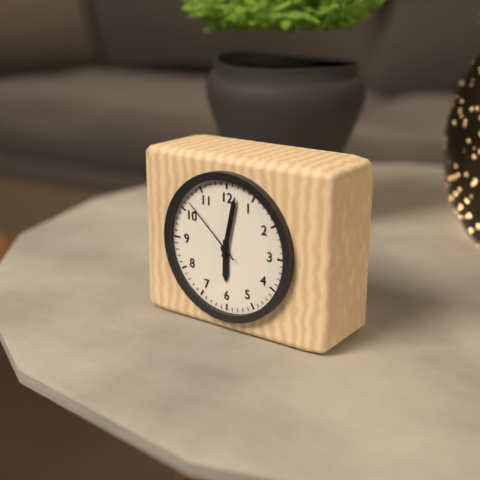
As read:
6:02:52
